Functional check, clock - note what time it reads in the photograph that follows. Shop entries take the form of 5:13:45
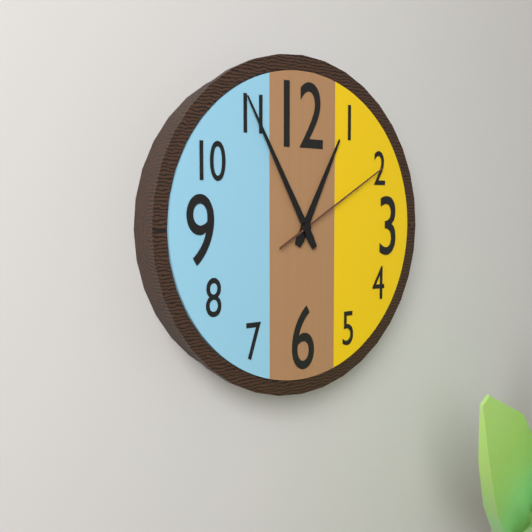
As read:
12:55:10
